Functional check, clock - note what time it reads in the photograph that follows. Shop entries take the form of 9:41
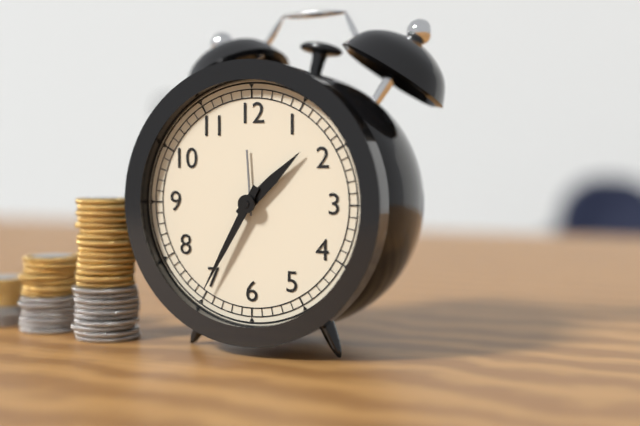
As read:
1:35
